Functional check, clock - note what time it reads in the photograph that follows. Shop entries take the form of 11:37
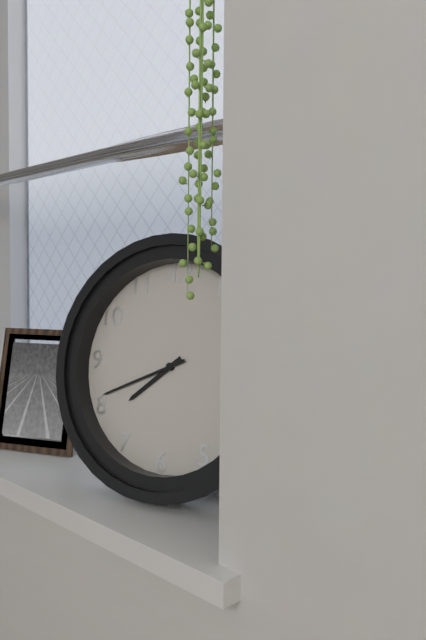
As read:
7:41
